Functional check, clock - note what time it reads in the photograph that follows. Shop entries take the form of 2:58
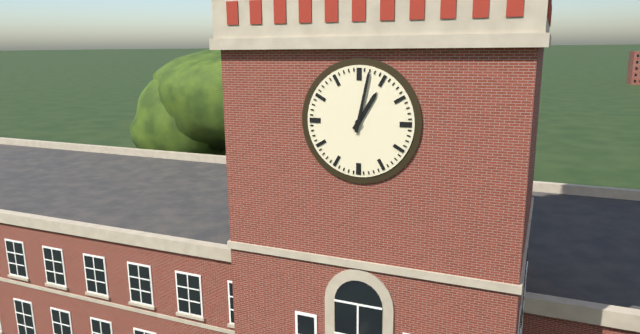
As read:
1:02
